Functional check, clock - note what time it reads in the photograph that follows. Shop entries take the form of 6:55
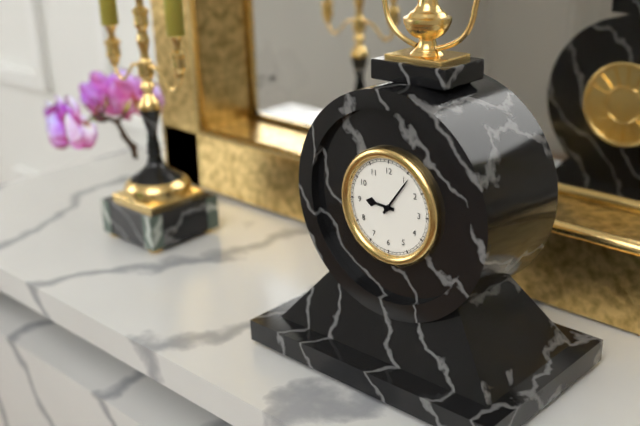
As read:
9:06
